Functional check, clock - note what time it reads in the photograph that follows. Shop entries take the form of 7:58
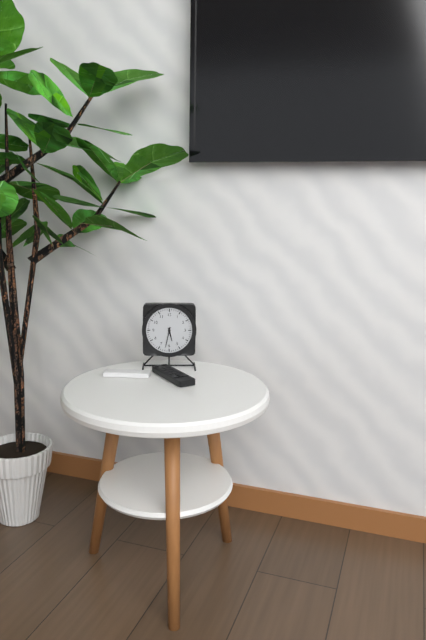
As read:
5:32
